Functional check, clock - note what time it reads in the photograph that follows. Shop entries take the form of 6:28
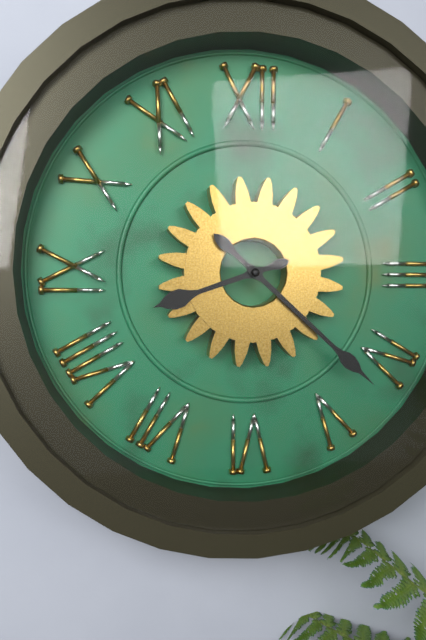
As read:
8:22
